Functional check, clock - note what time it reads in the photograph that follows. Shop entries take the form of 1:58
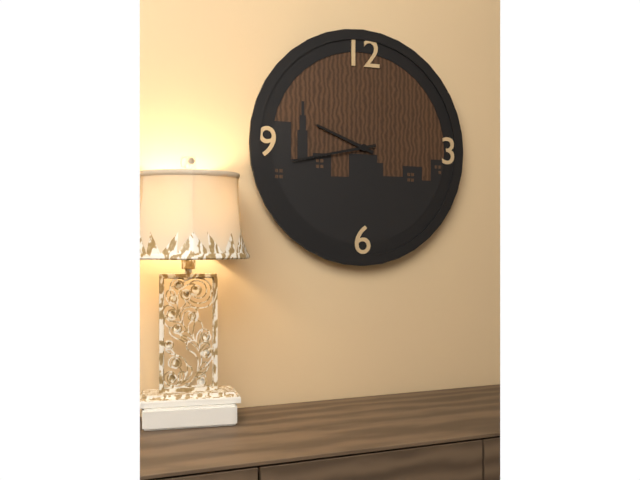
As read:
9:43
